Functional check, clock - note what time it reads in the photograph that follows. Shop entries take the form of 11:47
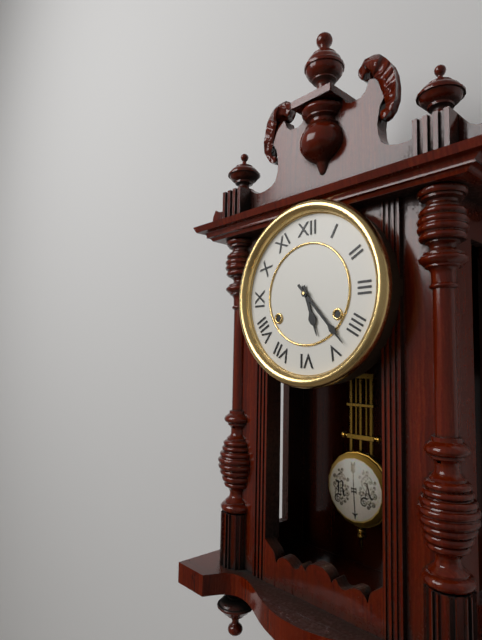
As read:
5:23
